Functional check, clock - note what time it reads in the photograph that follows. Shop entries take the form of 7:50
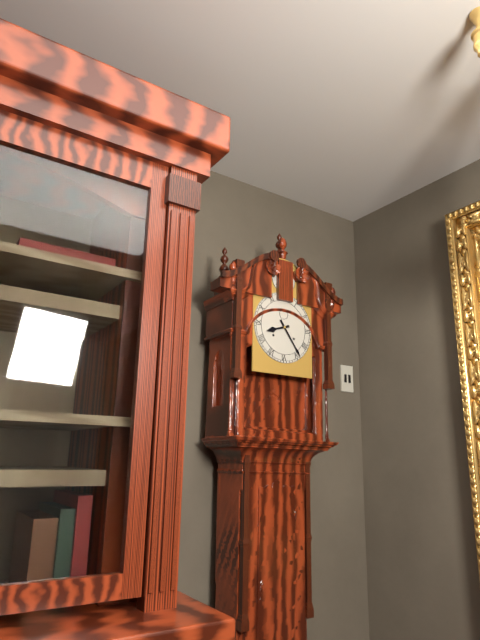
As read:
8:24
